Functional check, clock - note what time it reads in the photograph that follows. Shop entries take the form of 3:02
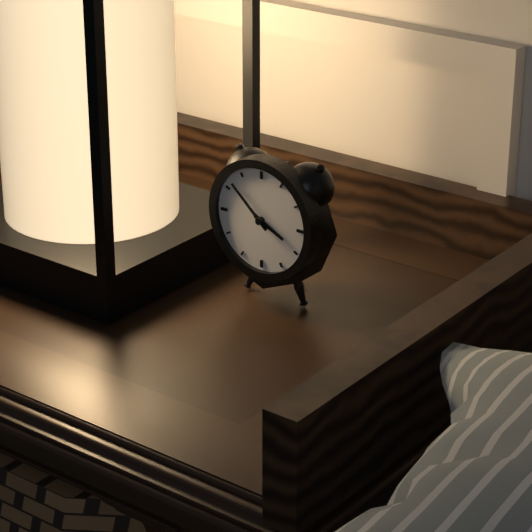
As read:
3:52
